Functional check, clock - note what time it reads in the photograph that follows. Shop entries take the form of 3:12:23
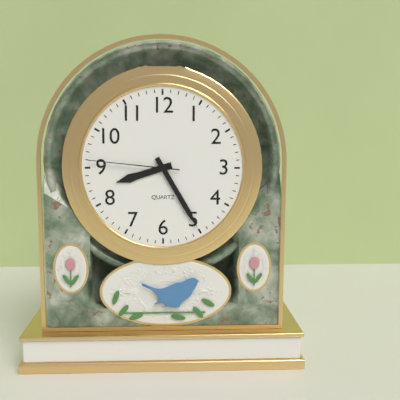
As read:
8:25:46
